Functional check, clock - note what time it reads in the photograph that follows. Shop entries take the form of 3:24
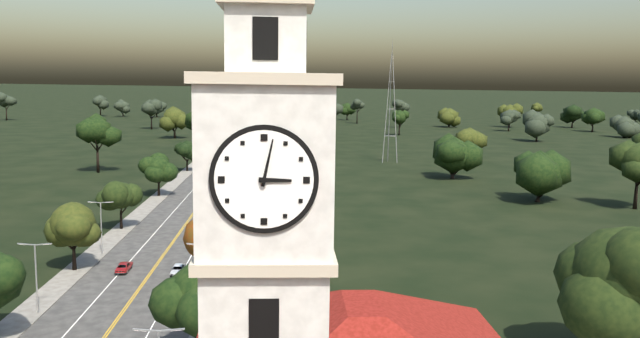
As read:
3:02
